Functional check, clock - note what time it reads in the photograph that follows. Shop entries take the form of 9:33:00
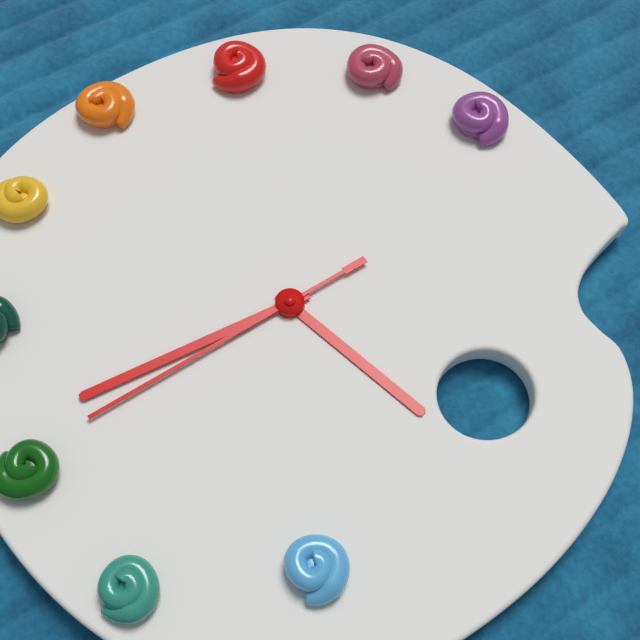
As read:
2:31:30
